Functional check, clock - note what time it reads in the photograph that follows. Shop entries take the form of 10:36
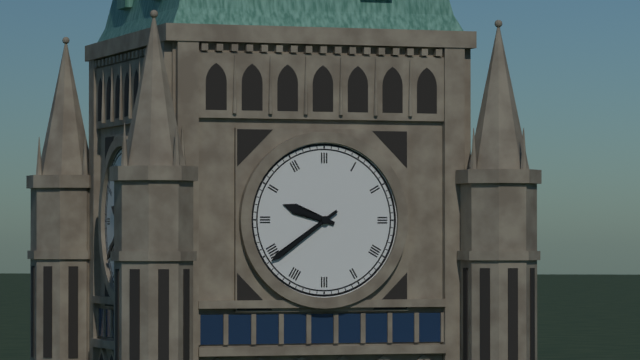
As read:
9:39
